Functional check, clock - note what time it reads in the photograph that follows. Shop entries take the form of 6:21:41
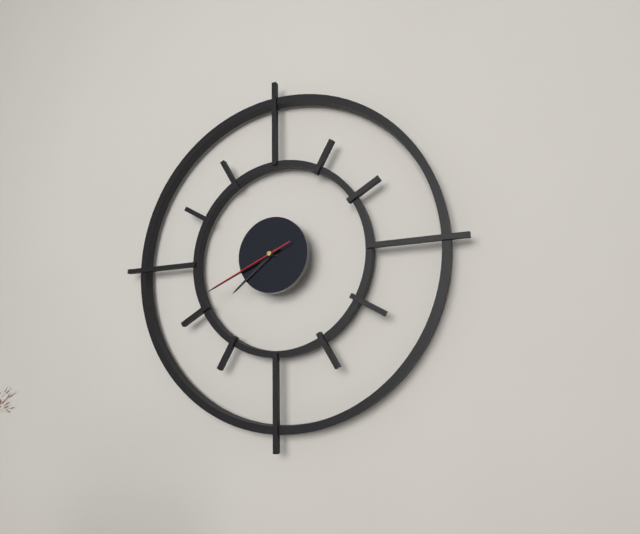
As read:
7:41:41
